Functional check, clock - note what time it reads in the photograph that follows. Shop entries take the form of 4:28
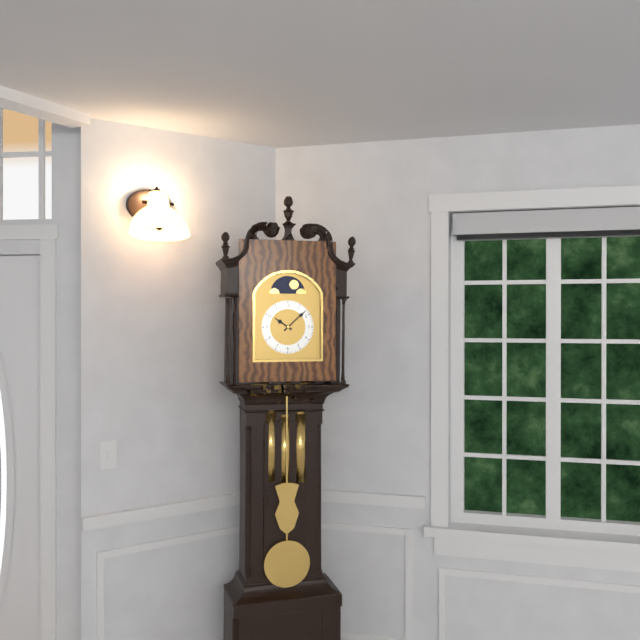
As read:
10:08
